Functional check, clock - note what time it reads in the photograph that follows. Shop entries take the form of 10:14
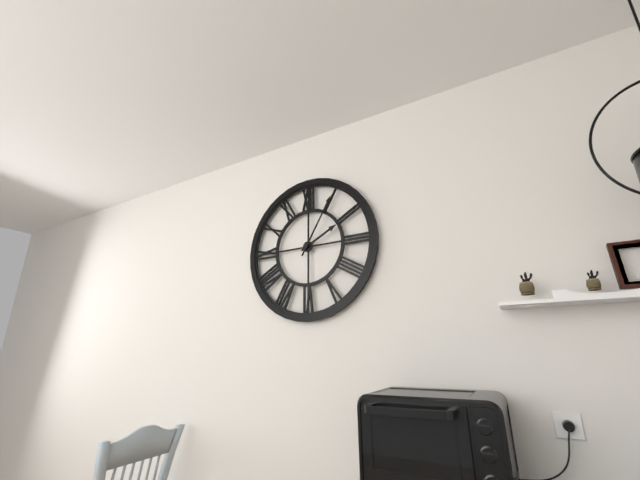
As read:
2:05
